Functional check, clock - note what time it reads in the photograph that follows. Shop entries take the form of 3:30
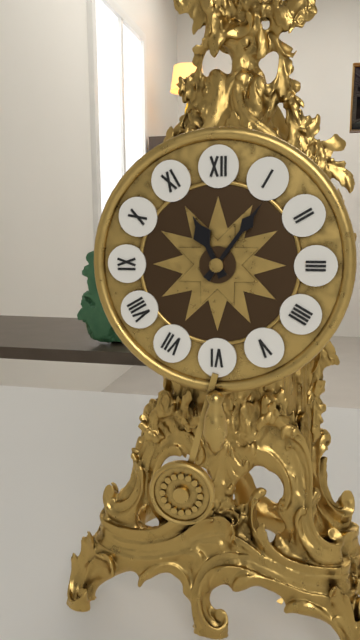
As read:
11:06
